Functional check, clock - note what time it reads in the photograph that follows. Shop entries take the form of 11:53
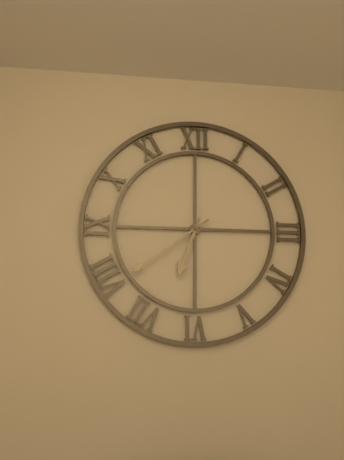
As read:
6:39
